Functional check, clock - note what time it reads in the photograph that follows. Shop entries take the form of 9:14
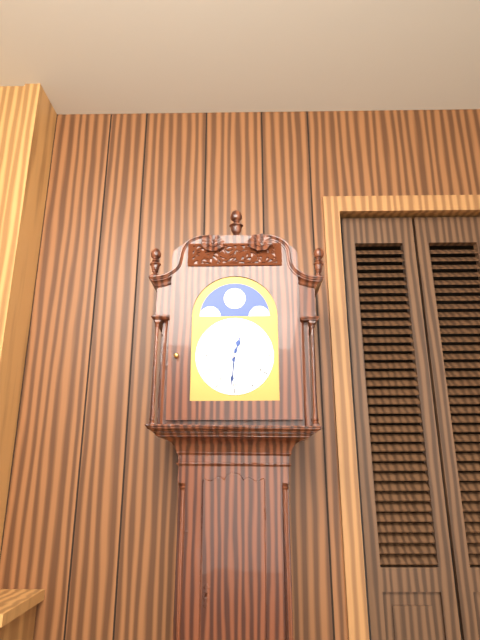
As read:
12:31
